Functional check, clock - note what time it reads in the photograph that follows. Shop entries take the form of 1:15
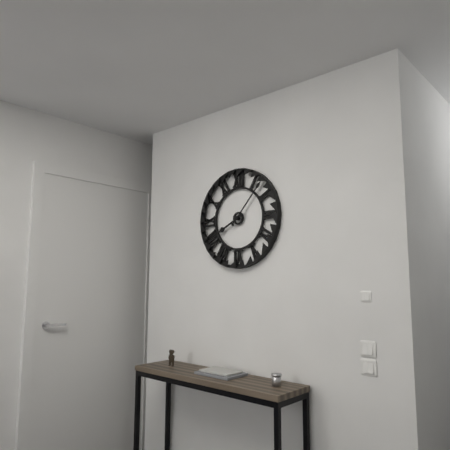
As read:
8:07
